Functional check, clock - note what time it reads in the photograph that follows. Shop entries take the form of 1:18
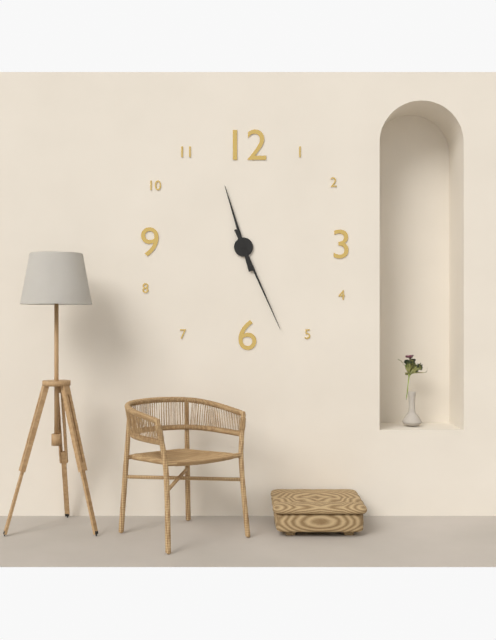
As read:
11:26
